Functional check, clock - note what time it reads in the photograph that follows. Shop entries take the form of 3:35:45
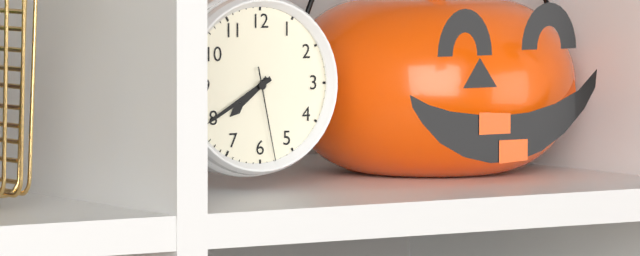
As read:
7:40:28
